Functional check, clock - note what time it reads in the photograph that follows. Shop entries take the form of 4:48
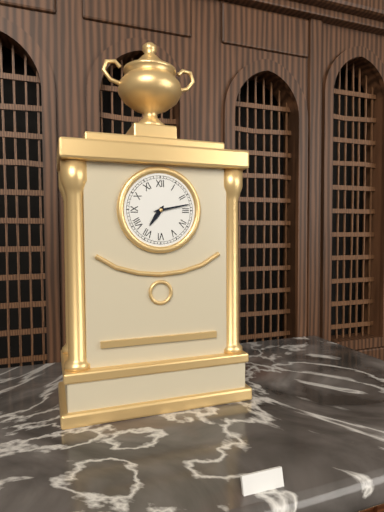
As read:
7:13
